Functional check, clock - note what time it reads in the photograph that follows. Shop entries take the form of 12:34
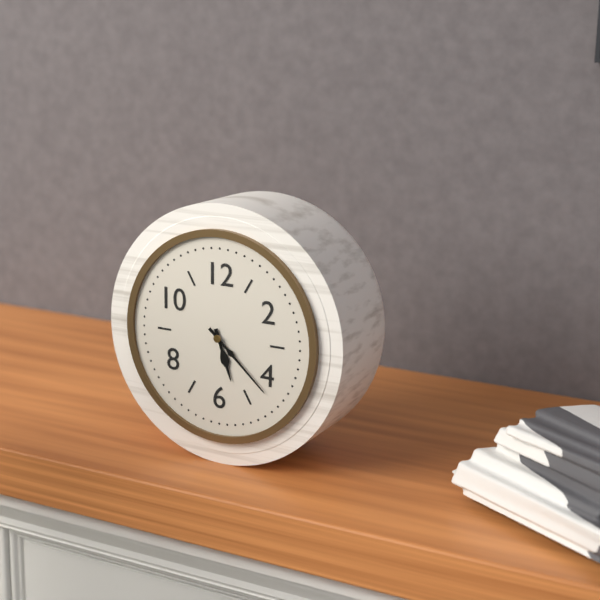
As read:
5:22
